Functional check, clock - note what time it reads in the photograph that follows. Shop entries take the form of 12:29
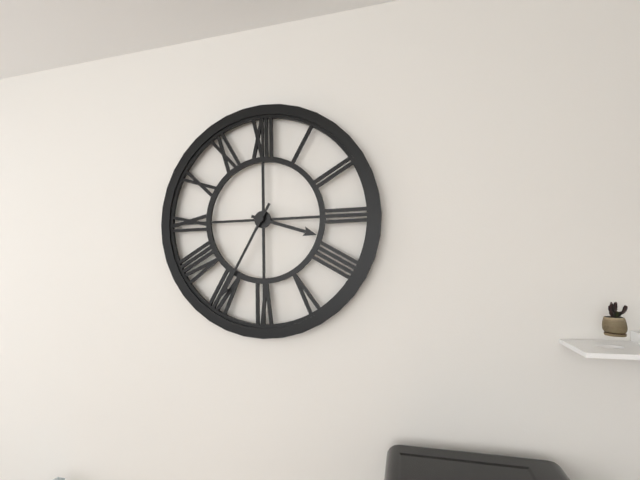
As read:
3:35
